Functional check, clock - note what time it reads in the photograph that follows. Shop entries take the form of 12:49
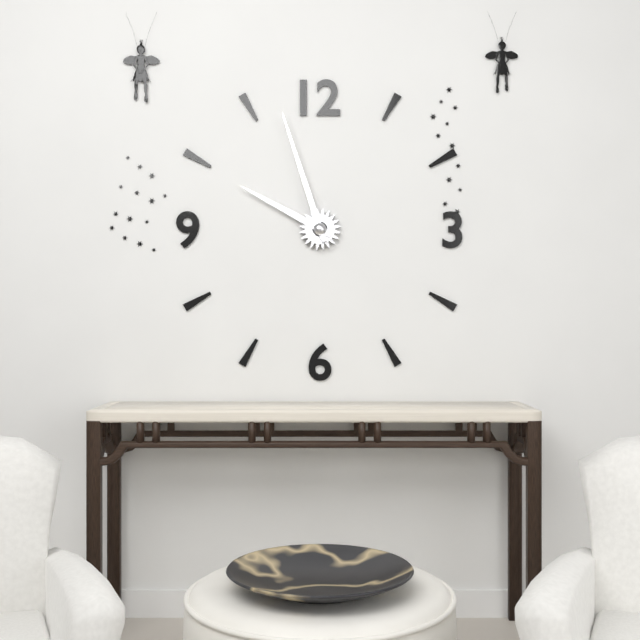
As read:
9:57
